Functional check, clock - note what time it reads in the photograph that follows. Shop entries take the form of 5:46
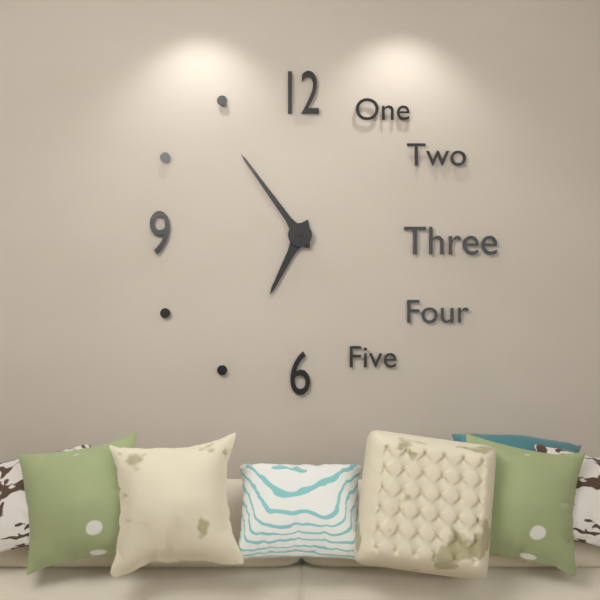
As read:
6:54
